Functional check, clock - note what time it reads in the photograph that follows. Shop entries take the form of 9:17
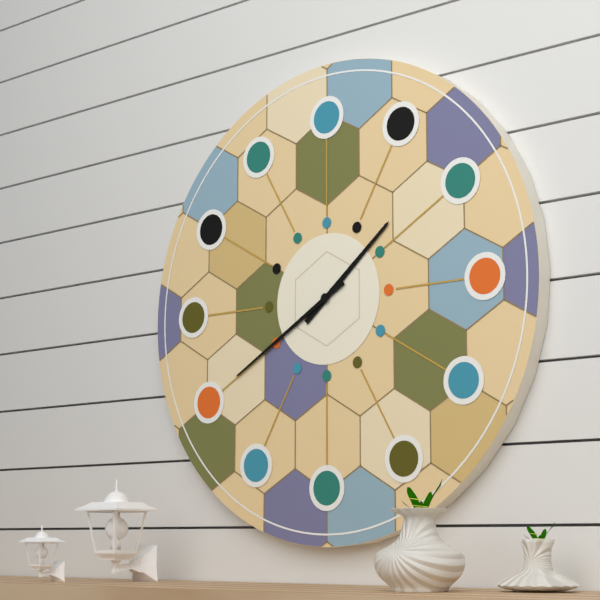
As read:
1:40
